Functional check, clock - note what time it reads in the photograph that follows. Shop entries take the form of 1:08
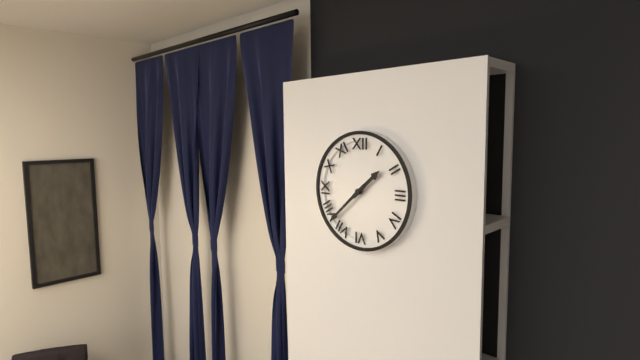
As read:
1:38
